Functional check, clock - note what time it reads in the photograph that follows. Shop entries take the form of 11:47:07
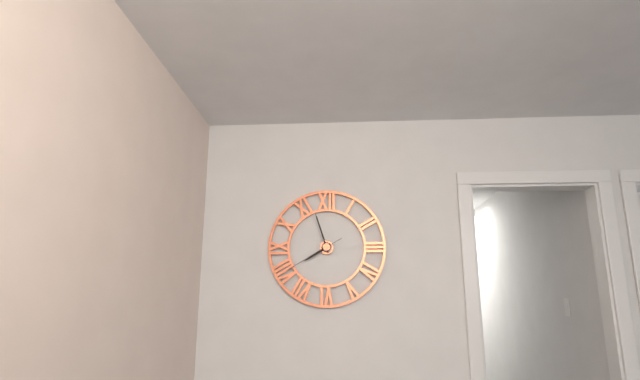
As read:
7:57:40
